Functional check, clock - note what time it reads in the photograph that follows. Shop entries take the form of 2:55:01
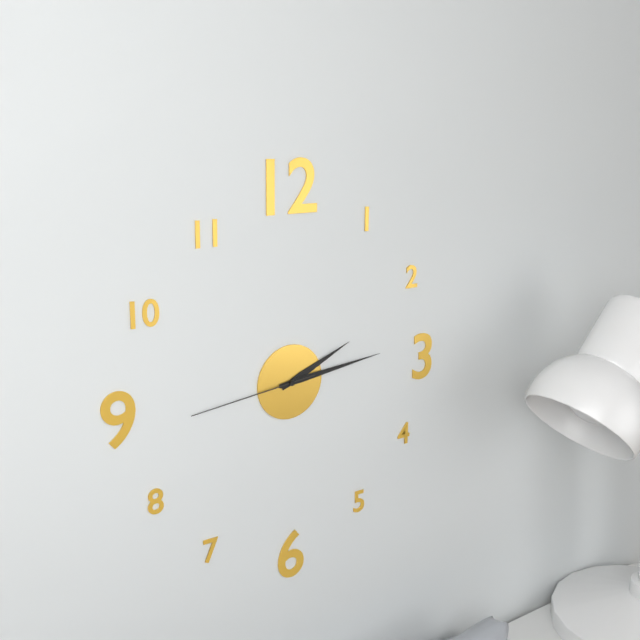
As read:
2:14:44
